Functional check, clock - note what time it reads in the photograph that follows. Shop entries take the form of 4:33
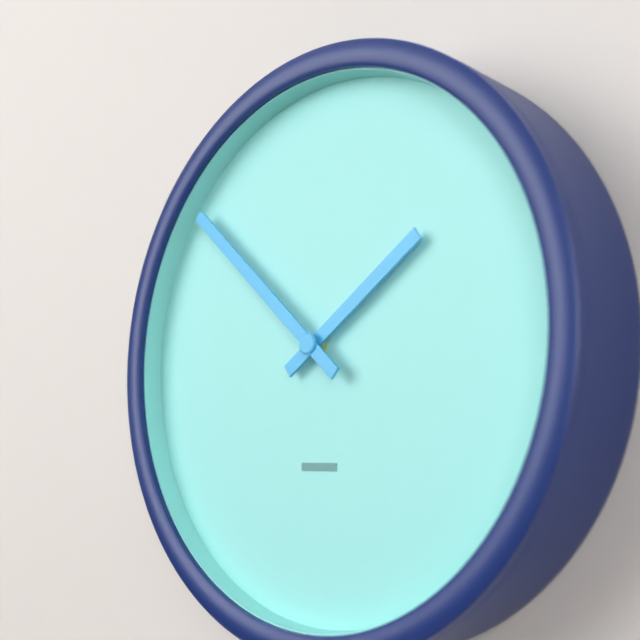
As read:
1:52
